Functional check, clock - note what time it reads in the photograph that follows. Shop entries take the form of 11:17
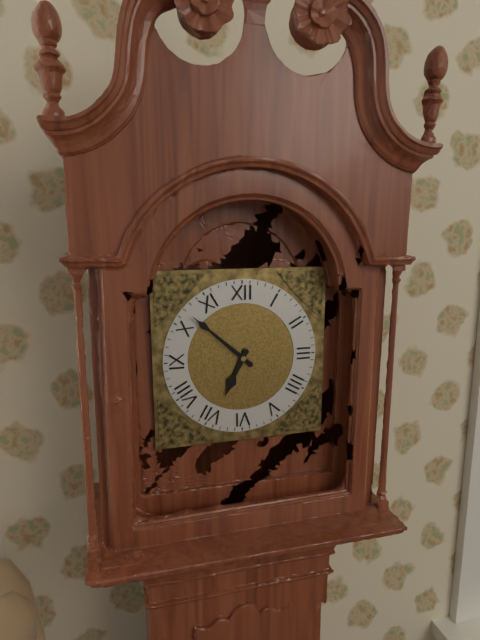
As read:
6:52
